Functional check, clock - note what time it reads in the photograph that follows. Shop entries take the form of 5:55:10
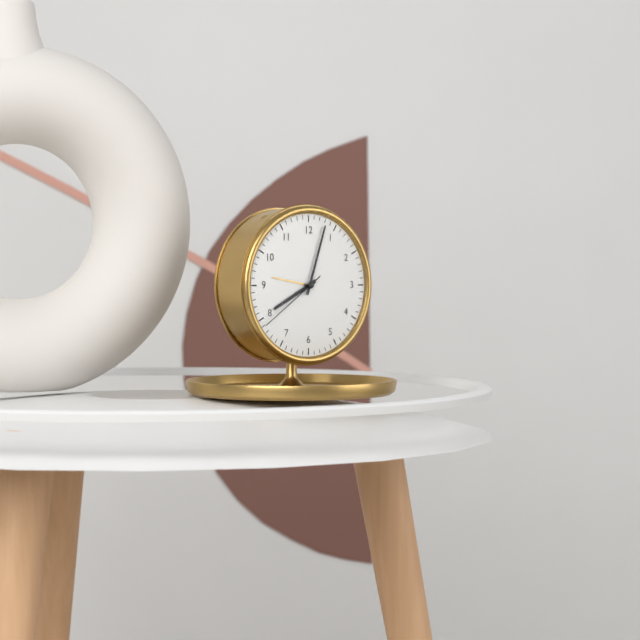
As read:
8:03:39
